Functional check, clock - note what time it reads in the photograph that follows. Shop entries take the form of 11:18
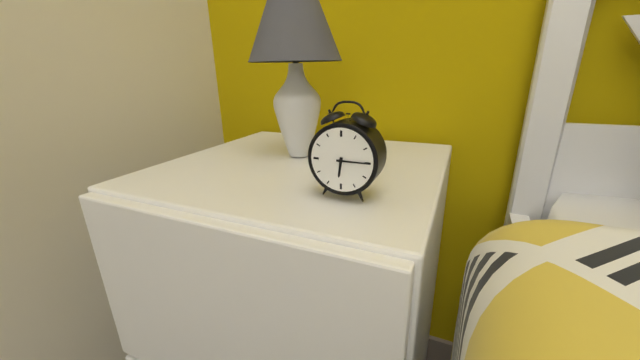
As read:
6:15
